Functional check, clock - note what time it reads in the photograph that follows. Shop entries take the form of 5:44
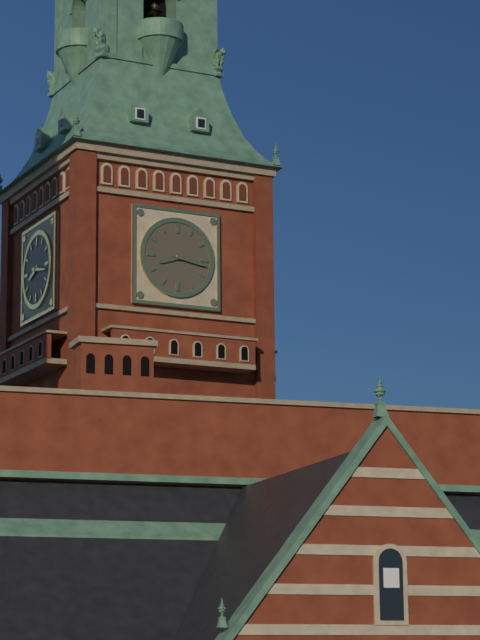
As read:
8:17
